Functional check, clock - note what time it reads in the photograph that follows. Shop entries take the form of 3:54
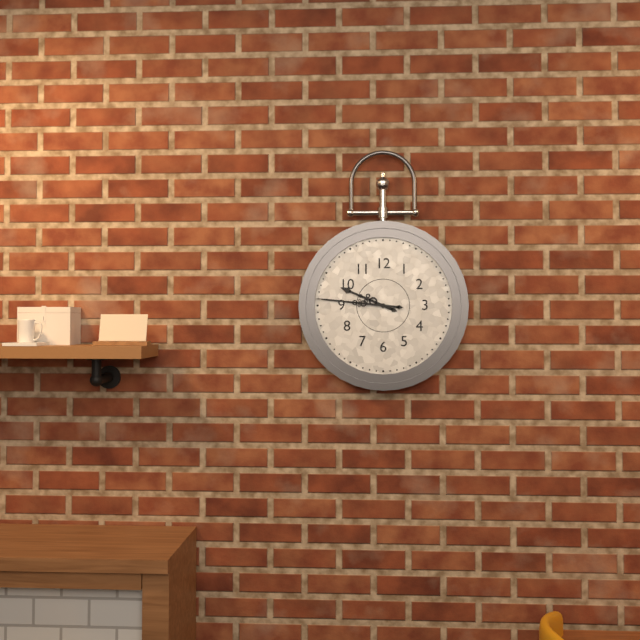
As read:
9:46
